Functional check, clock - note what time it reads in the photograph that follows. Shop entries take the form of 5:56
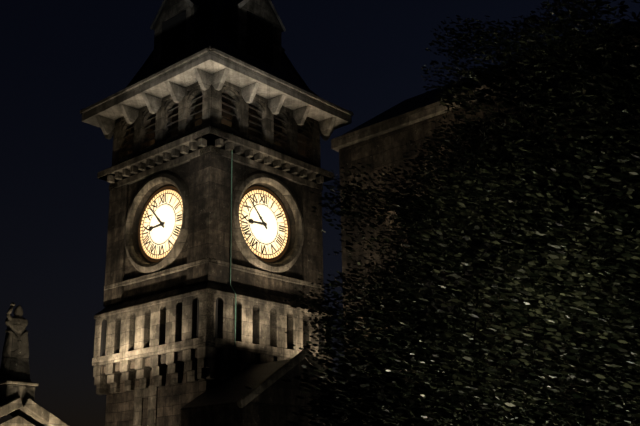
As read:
8:53
